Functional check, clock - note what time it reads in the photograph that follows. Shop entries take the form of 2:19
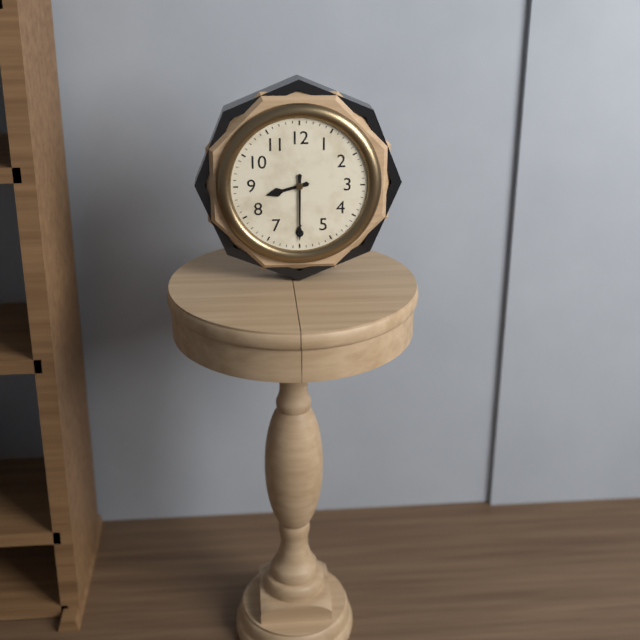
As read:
8:30
